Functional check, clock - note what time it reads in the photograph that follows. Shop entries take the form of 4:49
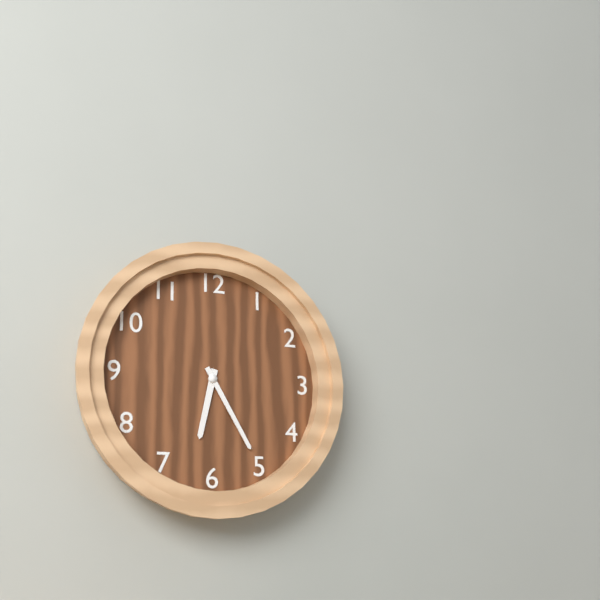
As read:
6:25
